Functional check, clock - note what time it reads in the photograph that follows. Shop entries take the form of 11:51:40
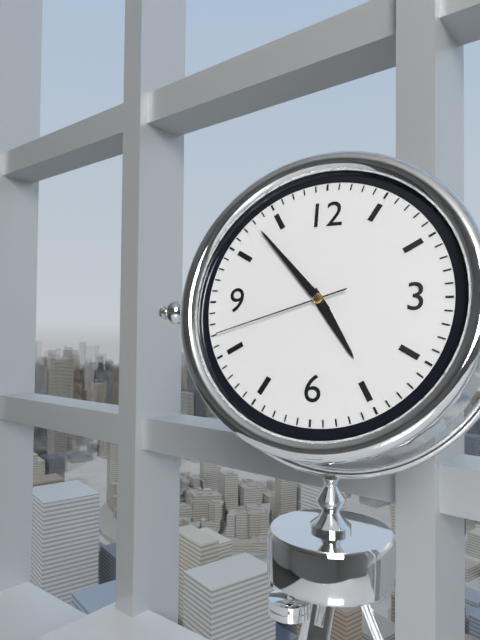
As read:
4:53:42
